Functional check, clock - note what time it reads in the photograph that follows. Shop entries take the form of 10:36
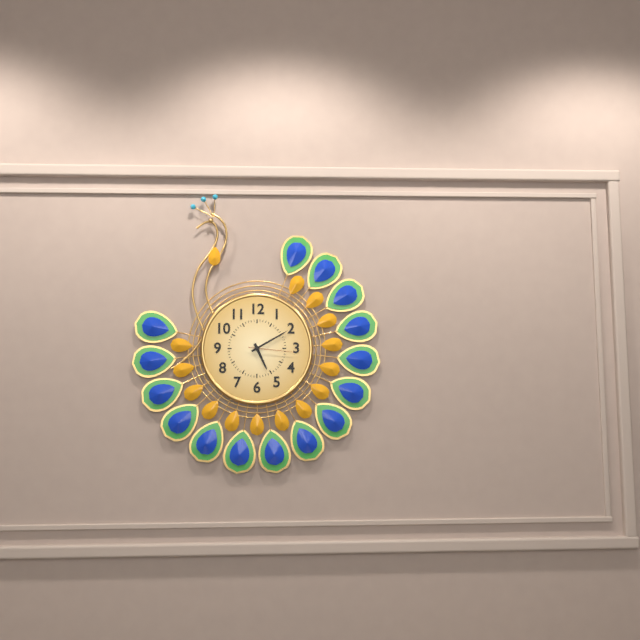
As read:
5:10
